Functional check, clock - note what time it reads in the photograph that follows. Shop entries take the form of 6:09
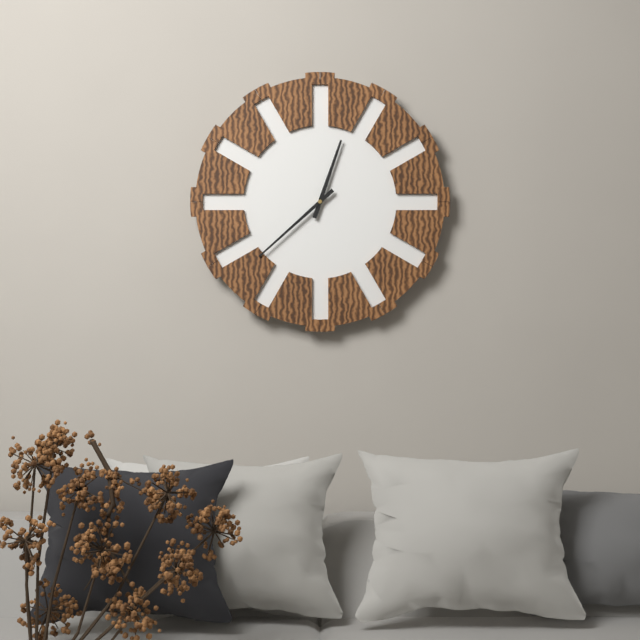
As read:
12:38
